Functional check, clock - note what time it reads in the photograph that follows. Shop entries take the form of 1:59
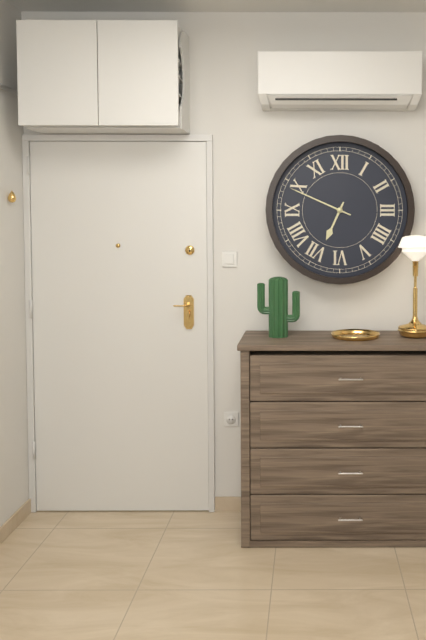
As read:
6:49
